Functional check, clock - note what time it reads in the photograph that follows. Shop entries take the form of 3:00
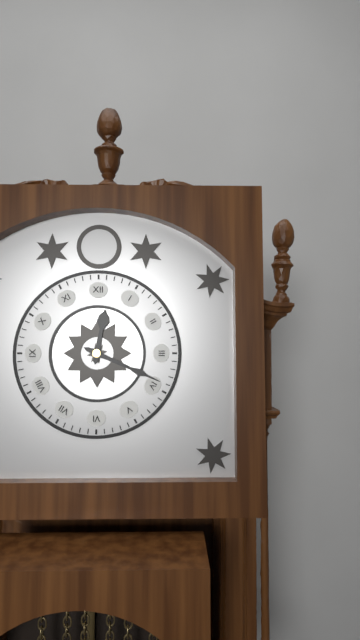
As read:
12:19
